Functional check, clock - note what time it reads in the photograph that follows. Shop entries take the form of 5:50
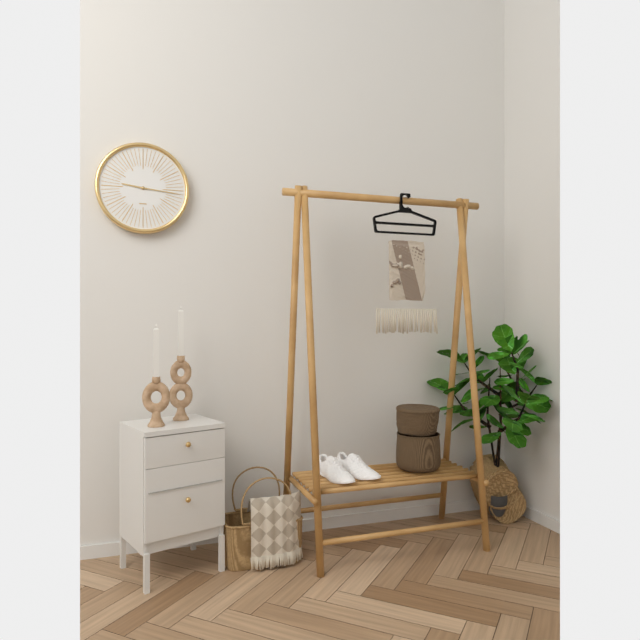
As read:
9:16
